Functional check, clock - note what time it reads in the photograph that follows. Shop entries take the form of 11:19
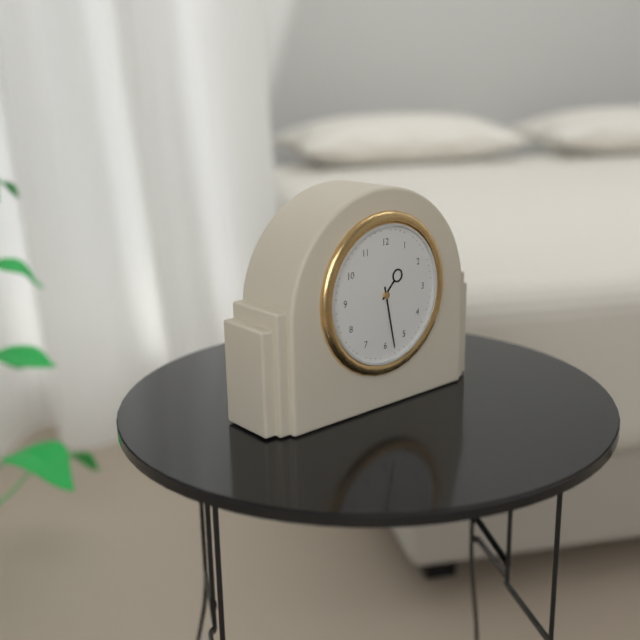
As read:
1:28
